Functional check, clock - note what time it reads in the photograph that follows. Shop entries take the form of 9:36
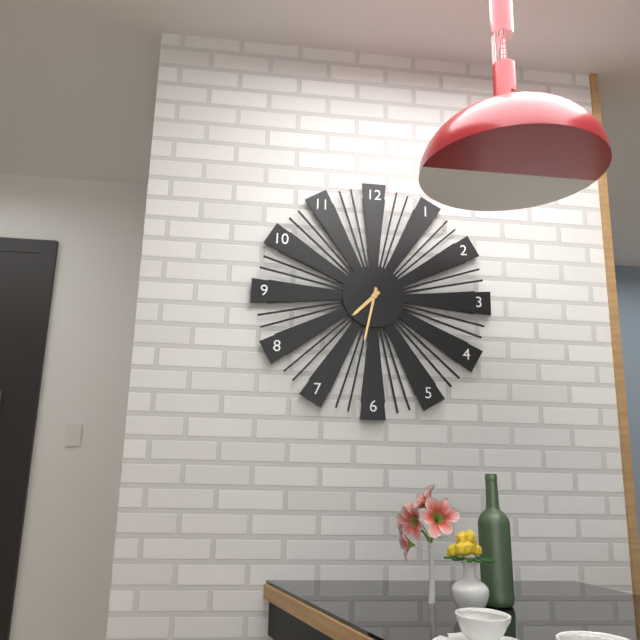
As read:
7:32
